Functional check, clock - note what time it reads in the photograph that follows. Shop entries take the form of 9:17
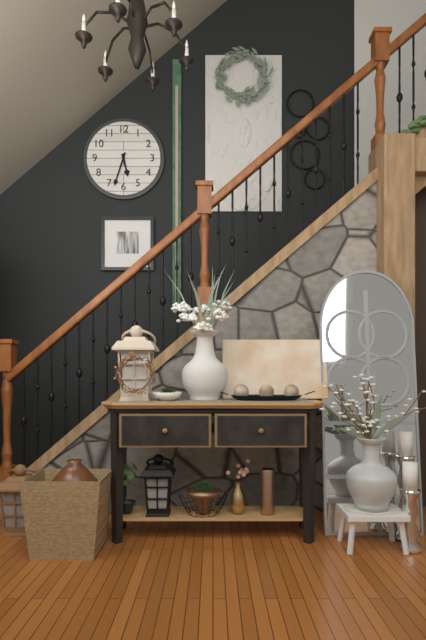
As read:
5:33
